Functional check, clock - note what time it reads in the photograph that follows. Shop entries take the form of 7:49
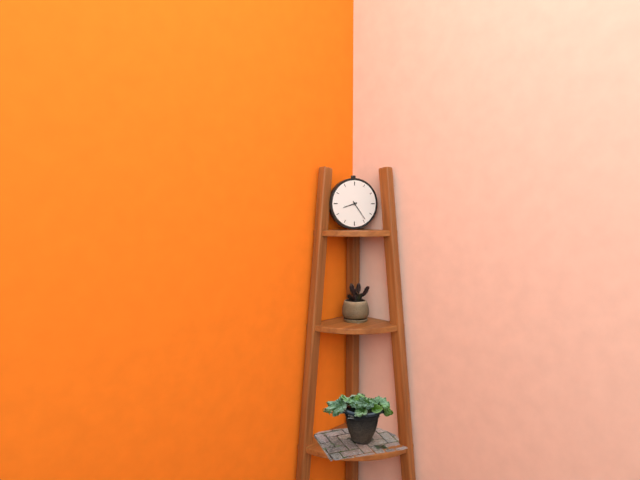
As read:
8:24
